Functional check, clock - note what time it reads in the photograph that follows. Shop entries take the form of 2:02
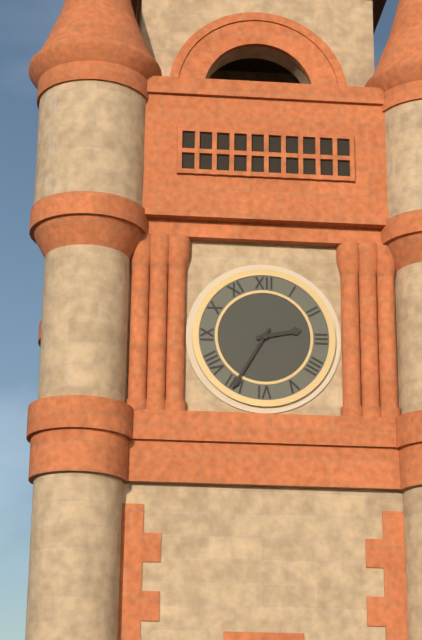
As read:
2:35
